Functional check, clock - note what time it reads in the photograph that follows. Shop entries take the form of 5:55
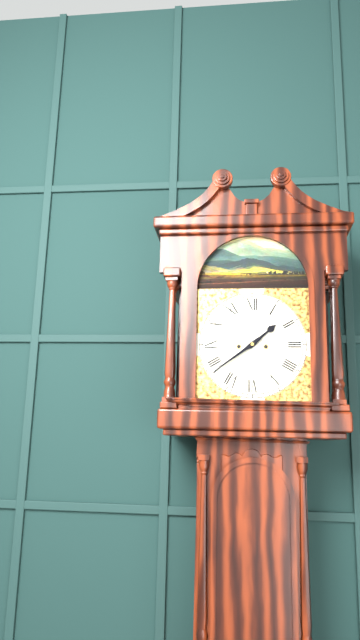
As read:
1:39
